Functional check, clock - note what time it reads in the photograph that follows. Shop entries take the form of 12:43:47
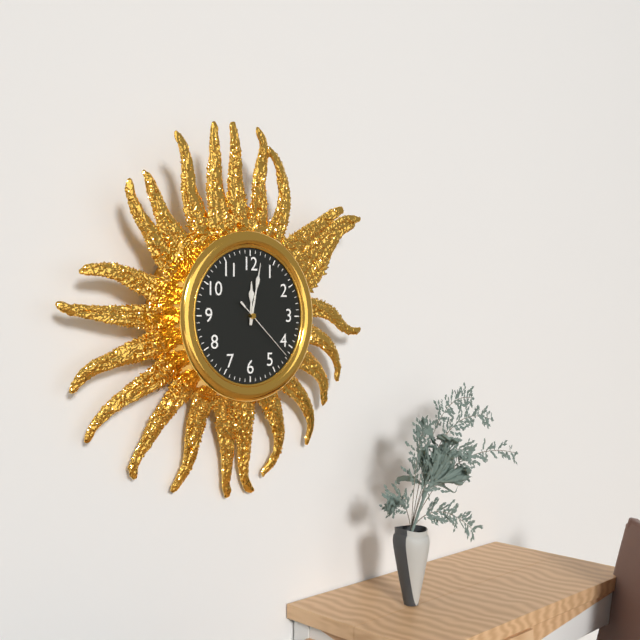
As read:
12:02:22
